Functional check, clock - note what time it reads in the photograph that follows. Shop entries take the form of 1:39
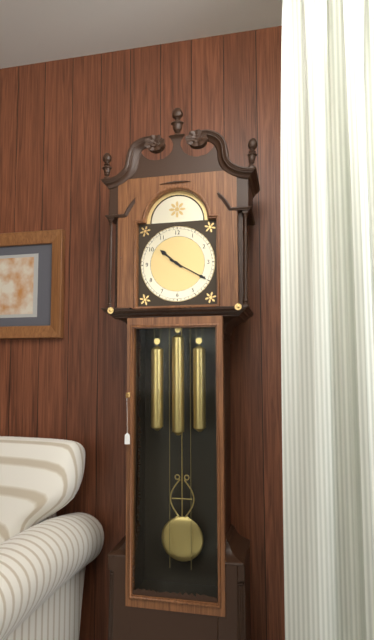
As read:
10:20
